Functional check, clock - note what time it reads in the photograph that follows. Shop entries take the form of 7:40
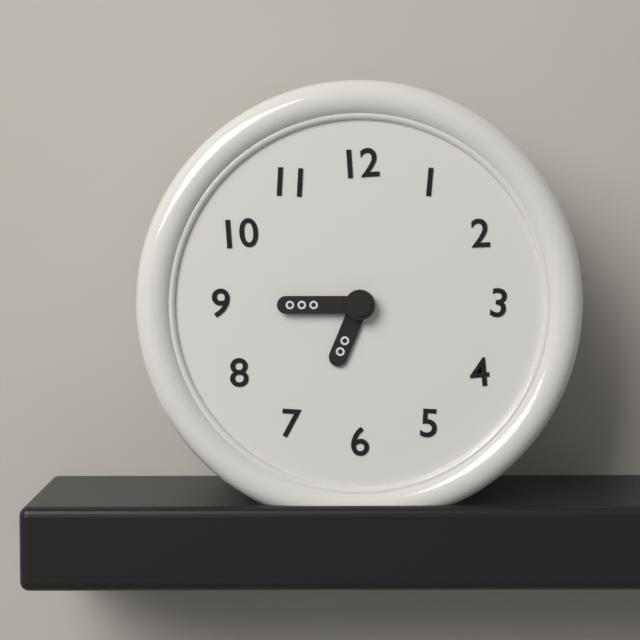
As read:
6:45
